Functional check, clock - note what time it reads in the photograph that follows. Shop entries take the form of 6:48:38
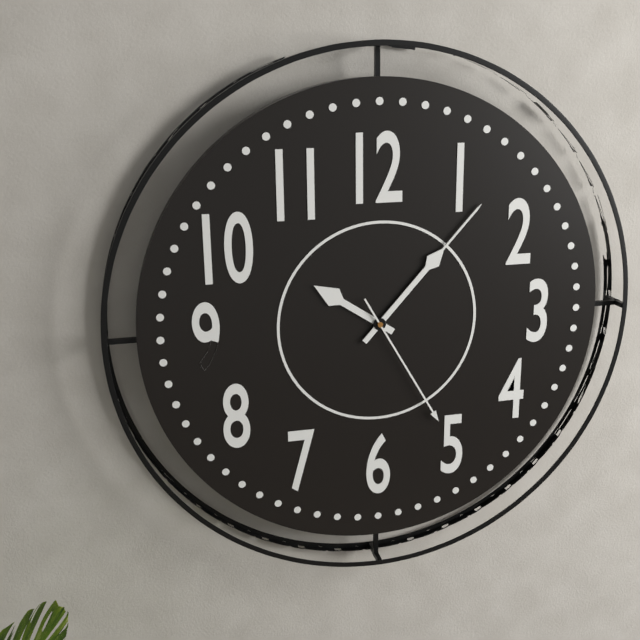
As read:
10:07:25
